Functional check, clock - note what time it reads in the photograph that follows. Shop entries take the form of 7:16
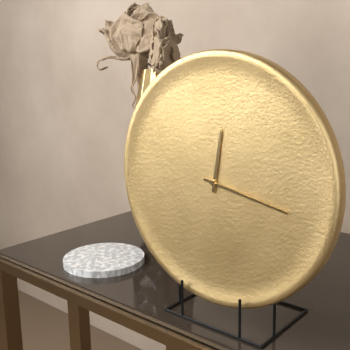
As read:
12:17
